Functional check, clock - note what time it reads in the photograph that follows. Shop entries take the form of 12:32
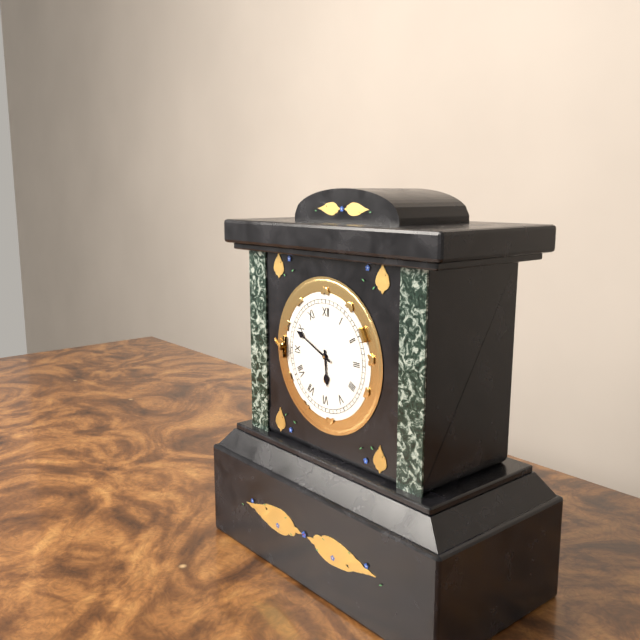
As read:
5:49
